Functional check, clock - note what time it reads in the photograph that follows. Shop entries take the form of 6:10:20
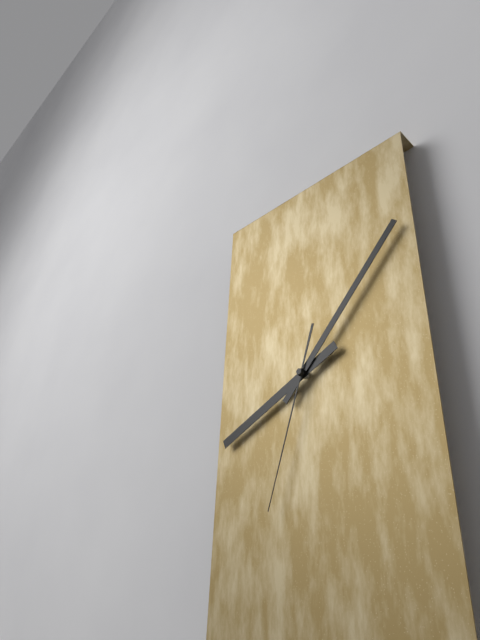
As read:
8:07:33
